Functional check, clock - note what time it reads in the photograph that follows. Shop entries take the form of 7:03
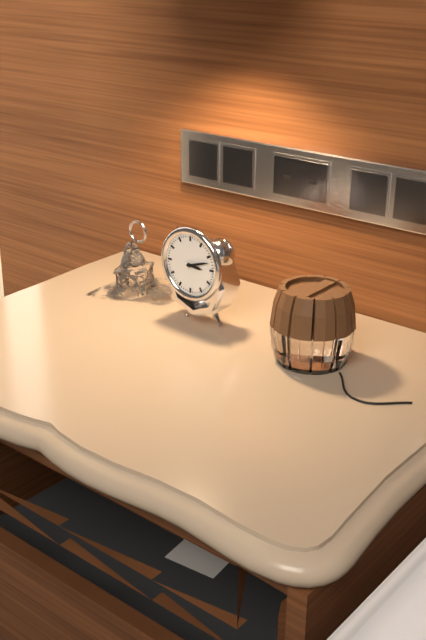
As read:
3:12
